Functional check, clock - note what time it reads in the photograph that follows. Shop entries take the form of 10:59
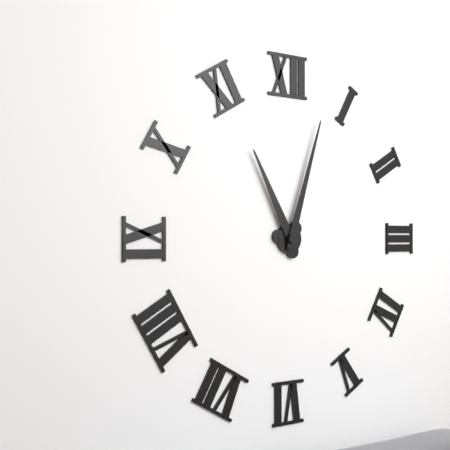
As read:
11:03
